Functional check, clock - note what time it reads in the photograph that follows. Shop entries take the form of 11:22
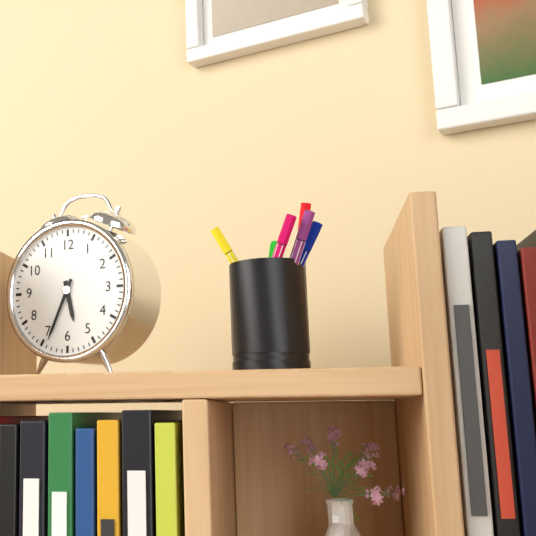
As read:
5:34
